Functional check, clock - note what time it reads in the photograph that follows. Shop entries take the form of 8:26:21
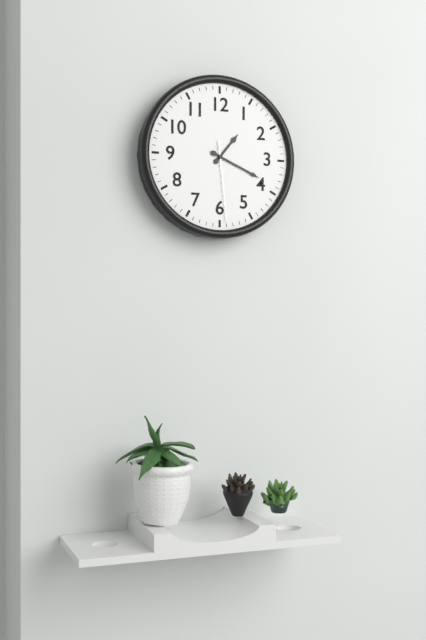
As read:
1:19:29
